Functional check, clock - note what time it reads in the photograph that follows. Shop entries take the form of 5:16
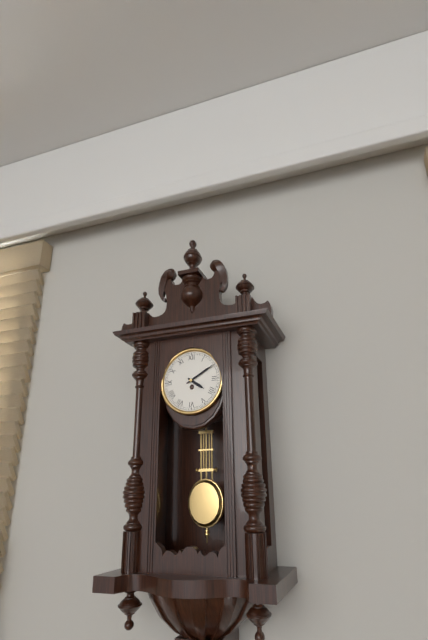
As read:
4:10
